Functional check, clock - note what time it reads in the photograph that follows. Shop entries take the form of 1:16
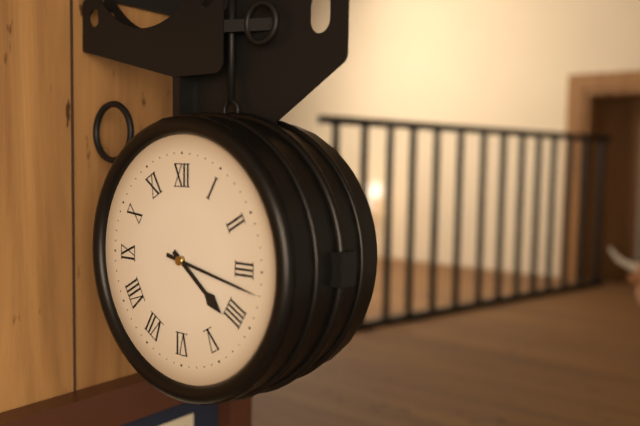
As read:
4:17
